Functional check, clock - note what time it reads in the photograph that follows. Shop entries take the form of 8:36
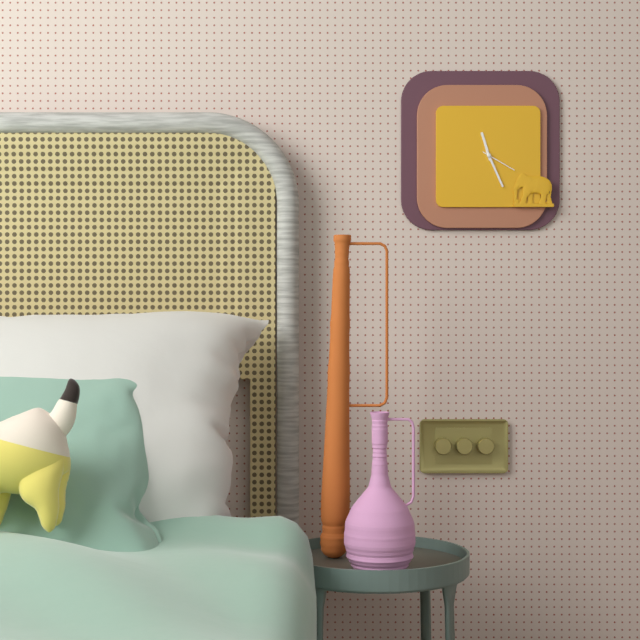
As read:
11:26
